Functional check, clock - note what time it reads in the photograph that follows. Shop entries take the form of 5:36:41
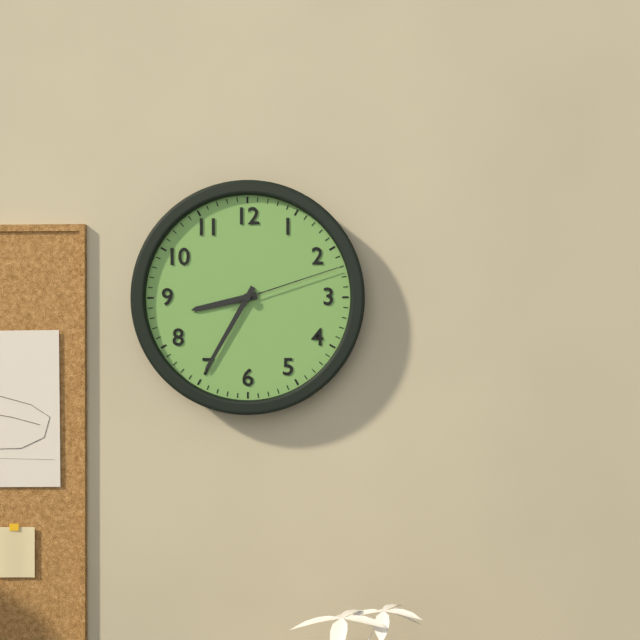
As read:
8:35:12
